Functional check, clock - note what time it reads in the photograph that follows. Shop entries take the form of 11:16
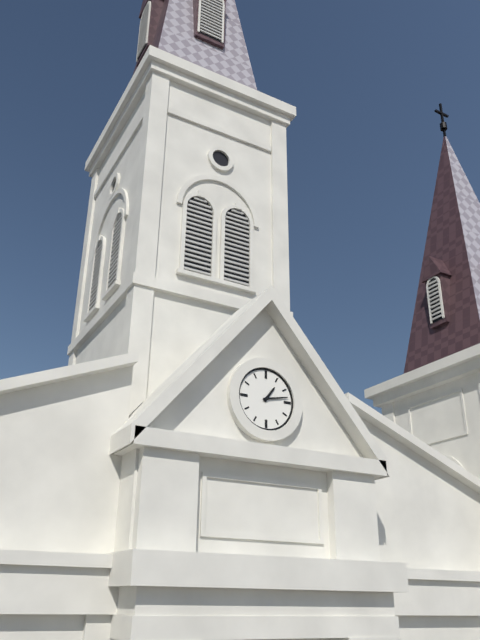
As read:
1:13
